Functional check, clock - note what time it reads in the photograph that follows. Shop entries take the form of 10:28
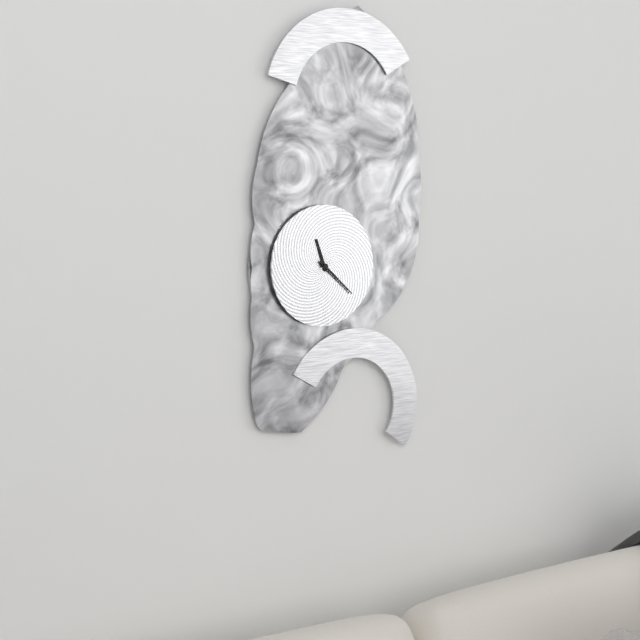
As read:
11:22
